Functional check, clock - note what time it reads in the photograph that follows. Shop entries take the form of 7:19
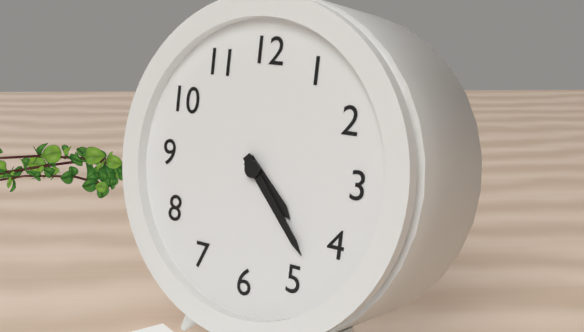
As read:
4:23
